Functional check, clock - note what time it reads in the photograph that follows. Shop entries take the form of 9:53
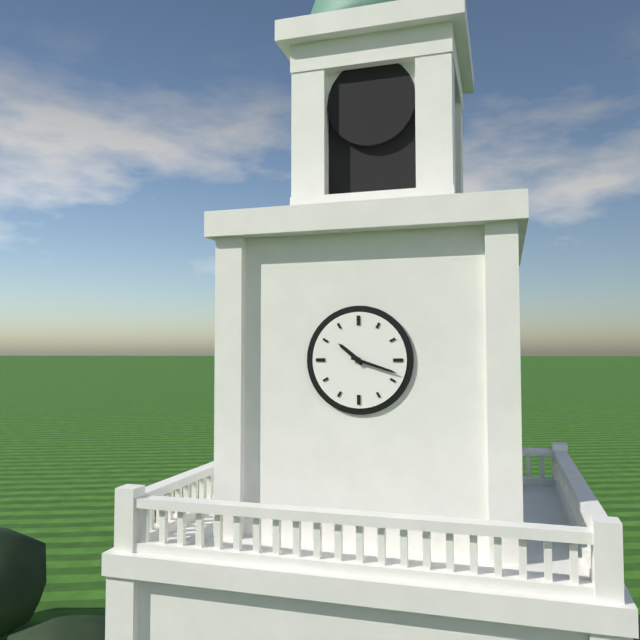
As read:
10:18
